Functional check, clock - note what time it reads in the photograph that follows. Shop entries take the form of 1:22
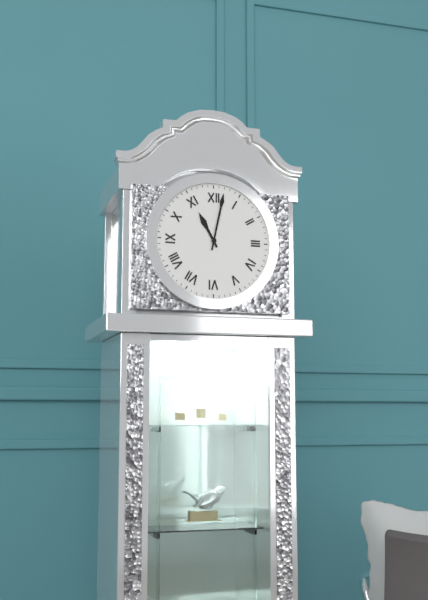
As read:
11:02
